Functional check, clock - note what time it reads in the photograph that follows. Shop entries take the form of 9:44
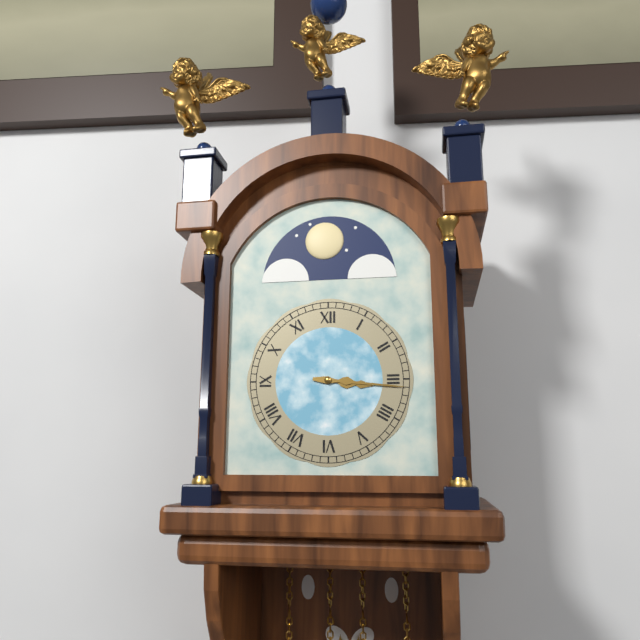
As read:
3:16
